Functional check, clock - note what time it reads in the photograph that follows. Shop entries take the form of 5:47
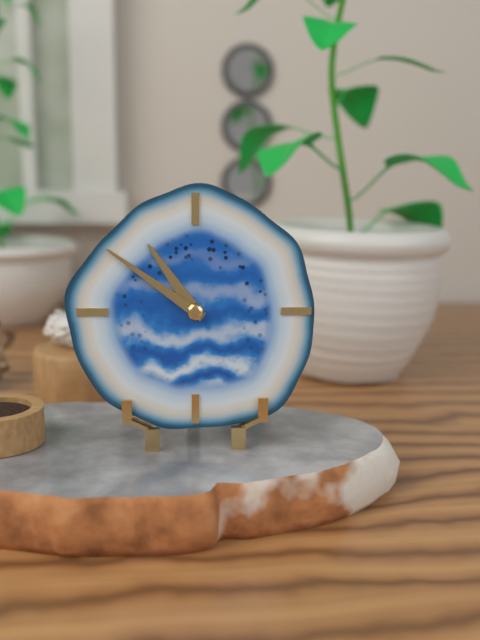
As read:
10:51
